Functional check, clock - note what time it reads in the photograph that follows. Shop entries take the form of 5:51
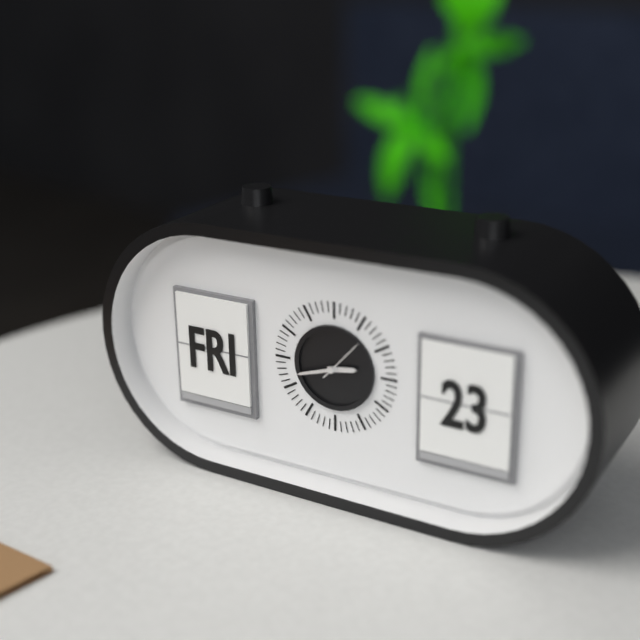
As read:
2:42
